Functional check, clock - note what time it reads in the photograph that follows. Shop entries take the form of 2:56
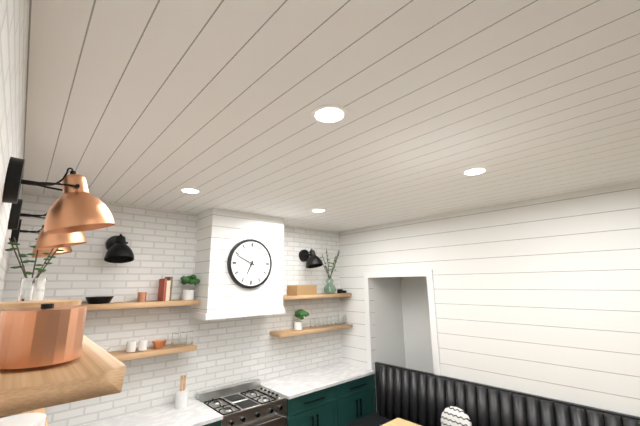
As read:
6:49
